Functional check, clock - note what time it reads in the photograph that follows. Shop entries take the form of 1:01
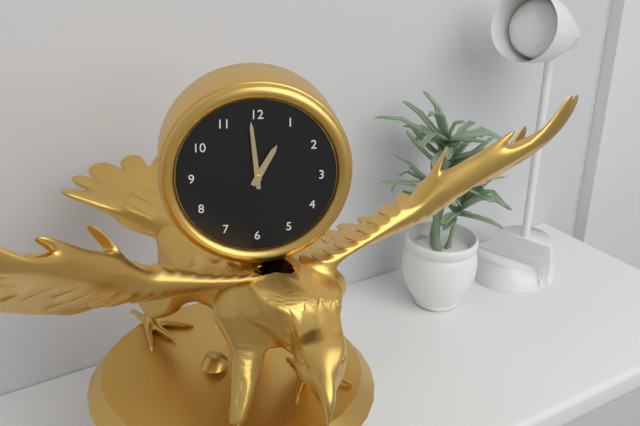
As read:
12:59
